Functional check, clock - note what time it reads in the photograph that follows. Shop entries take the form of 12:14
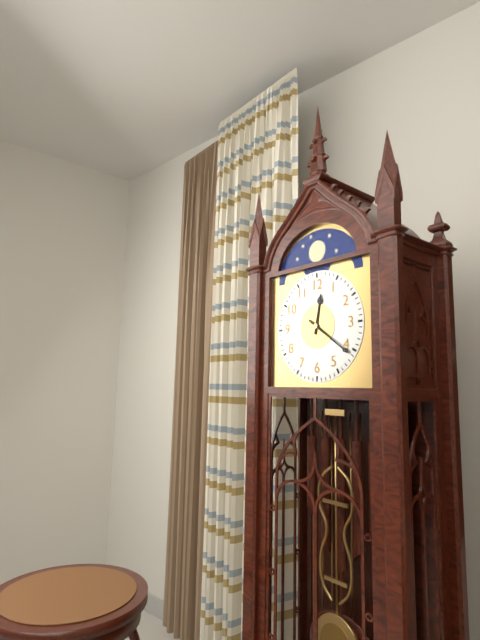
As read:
12:21
